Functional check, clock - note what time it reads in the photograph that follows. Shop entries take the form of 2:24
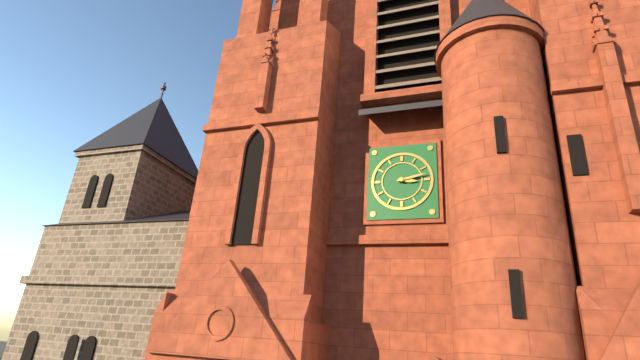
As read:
3:13
